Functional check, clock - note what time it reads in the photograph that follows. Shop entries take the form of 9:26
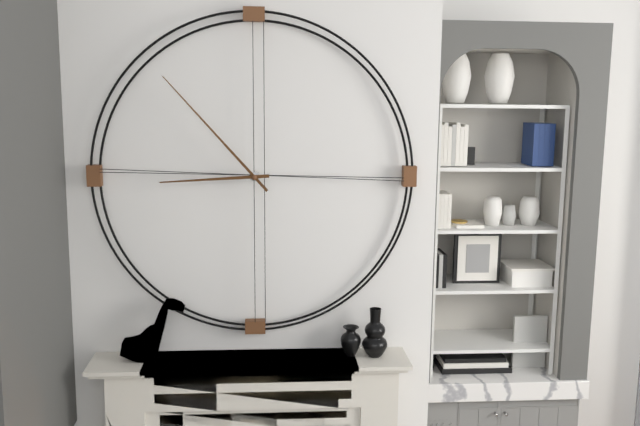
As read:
8:53
